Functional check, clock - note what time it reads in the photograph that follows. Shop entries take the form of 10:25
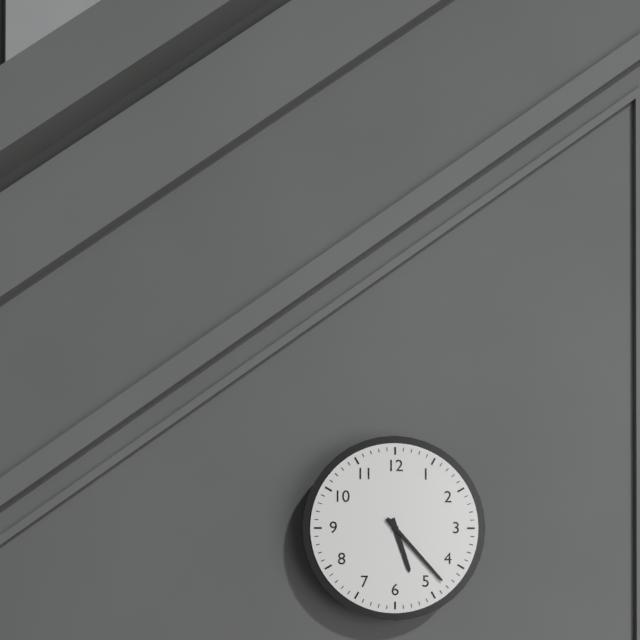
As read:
5:23
